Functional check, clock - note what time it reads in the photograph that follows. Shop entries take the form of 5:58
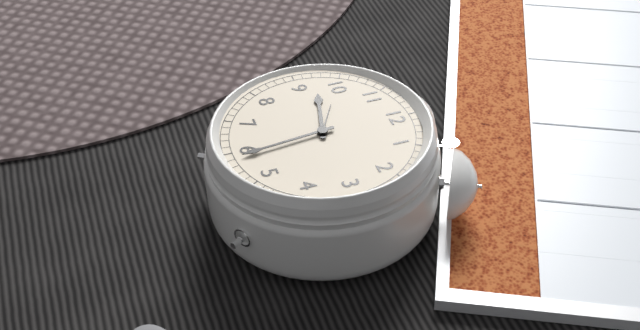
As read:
9:29
